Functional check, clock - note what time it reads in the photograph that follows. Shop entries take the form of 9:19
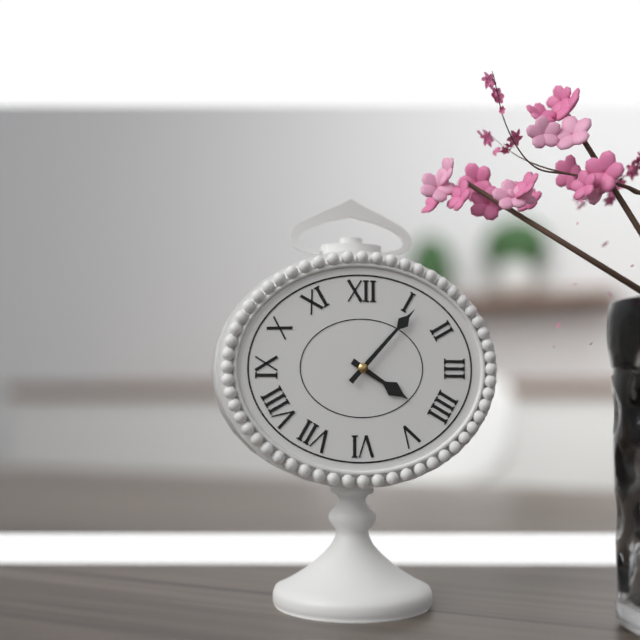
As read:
4:07
